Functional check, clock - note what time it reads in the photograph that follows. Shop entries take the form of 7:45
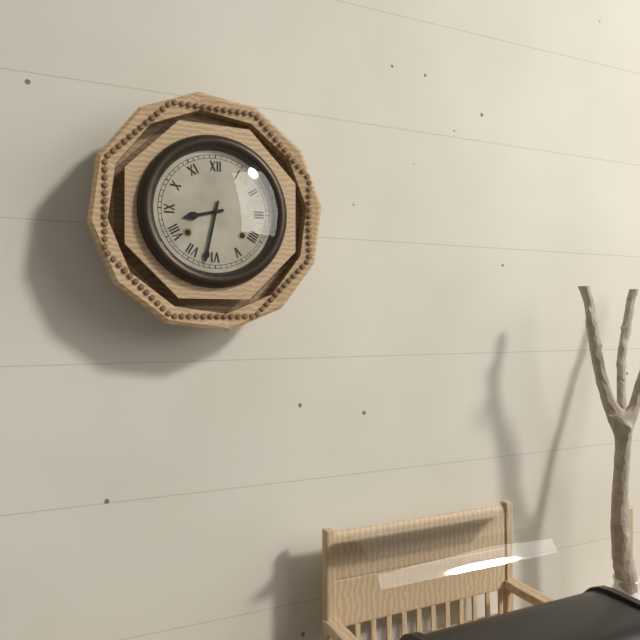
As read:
8:32
